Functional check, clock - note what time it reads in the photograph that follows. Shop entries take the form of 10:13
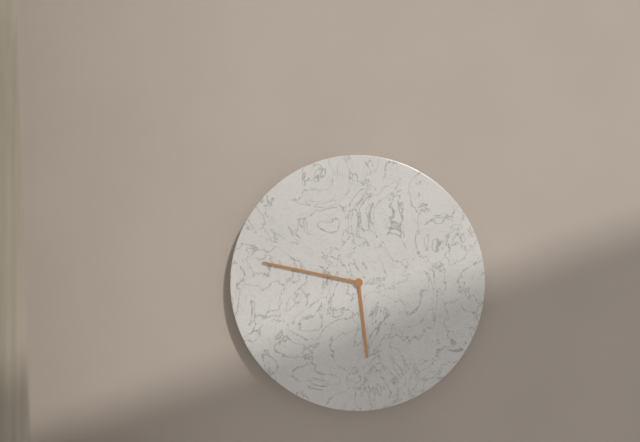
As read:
5:47
